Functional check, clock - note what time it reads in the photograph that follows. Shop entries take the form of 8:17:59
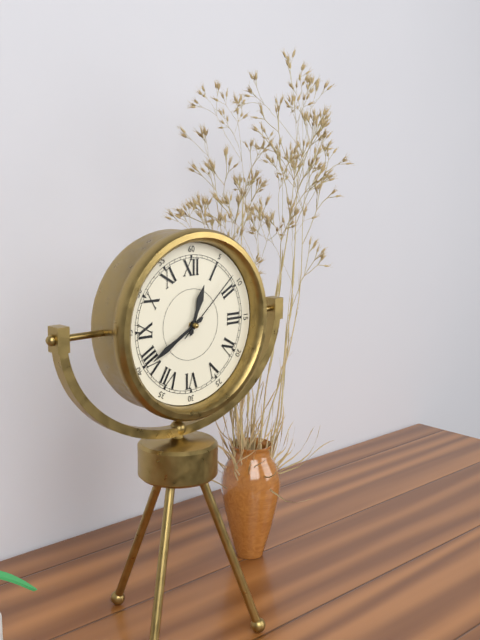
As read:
12:40:08
